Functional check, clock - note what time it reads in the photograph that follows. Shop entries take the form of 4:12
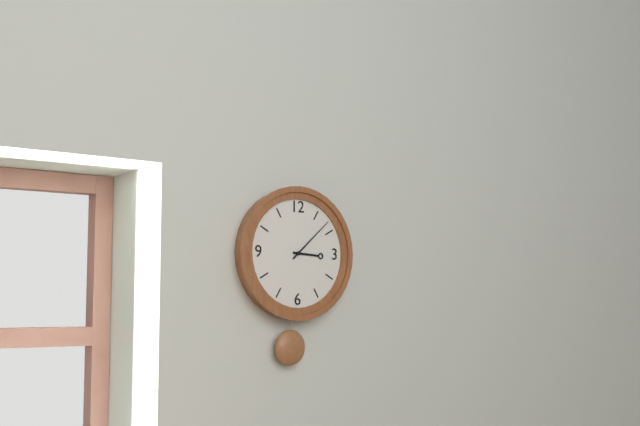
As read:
3:08
